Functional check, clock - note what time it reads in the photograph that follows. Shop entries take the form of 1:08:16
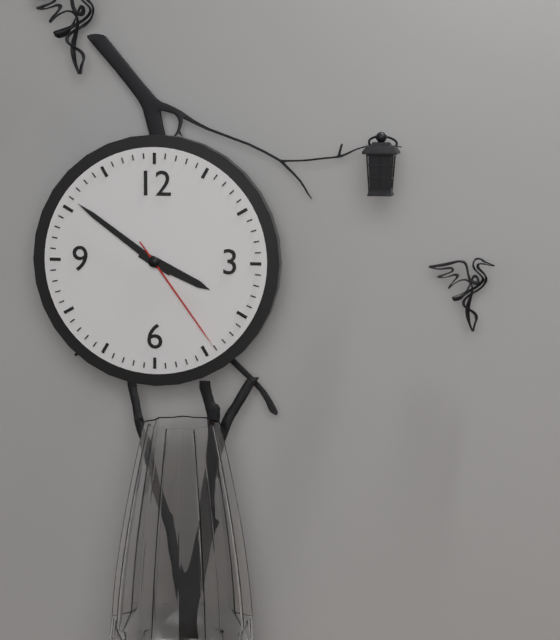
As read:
3:51:24
